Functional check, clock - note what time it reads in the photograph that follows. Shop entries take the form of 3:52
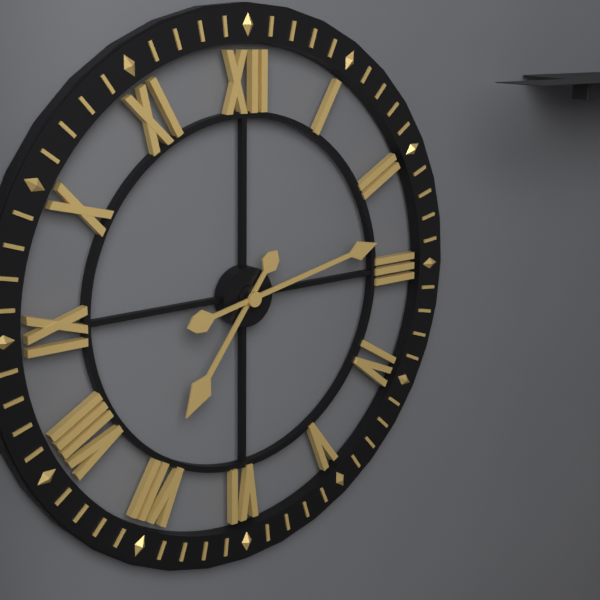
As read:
7:13
